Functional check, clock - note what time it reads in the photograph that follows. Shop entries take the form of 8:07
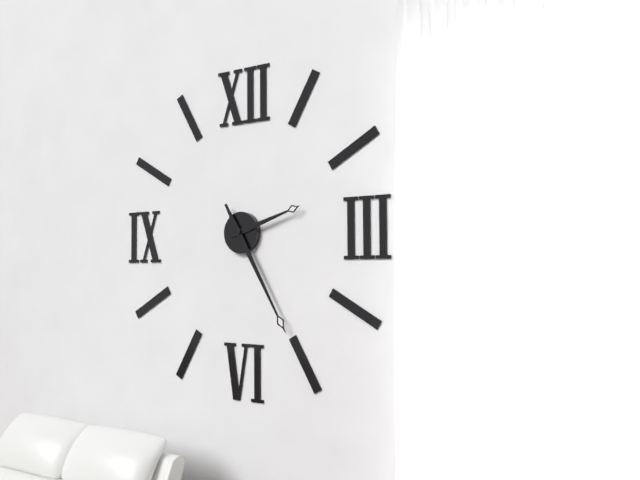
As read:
2:25
